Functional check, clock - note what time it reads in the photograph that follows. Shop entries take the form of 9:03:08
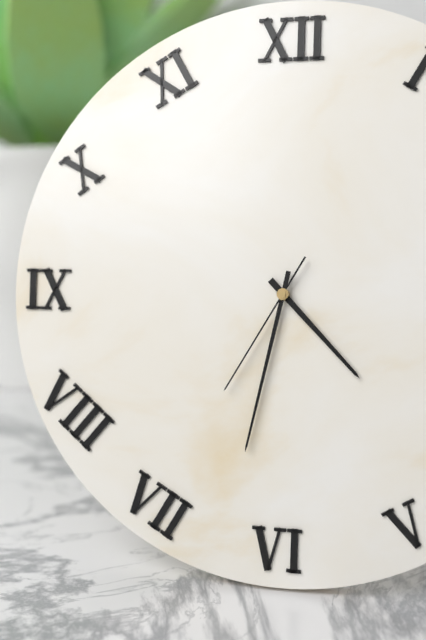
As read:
4:32:35
